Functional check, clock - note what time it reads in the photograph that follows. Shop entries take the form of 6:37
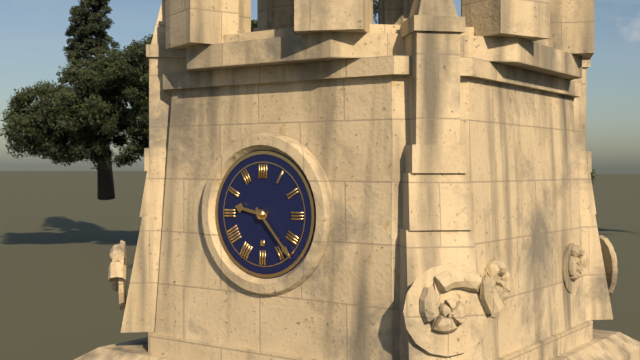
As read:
9:23
